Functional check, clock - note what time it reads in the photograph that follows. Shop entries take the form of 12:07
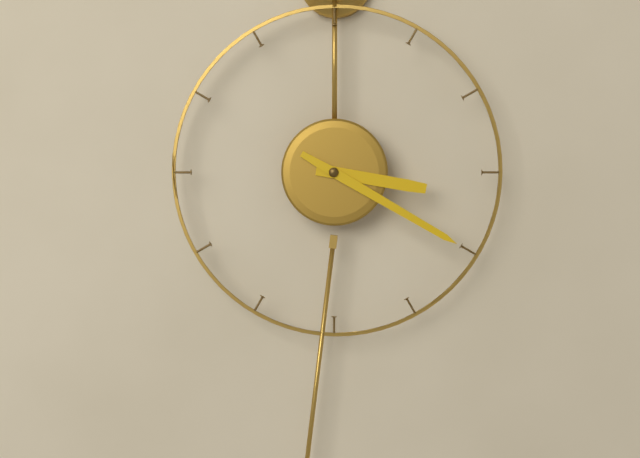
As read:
3:20
